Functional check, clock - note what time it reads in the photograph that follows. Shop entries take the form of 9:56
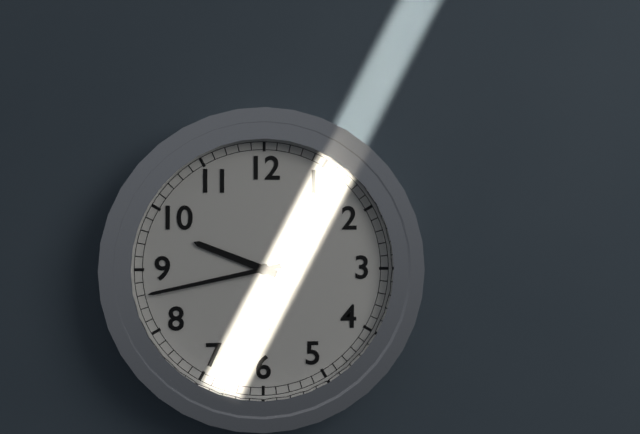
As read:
9:43
